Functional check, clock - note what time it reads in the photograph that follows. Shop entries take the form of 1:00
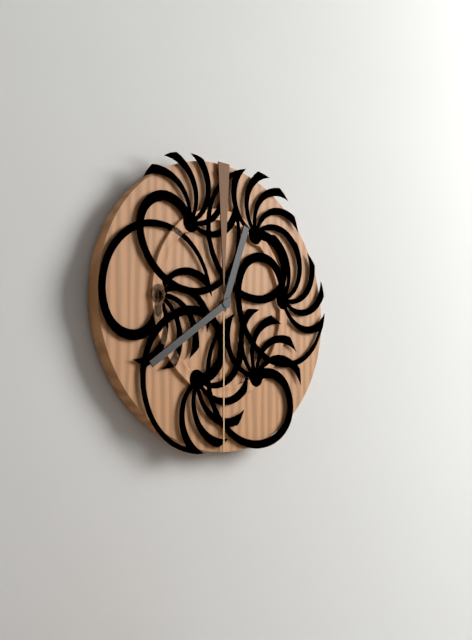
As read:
12:39
